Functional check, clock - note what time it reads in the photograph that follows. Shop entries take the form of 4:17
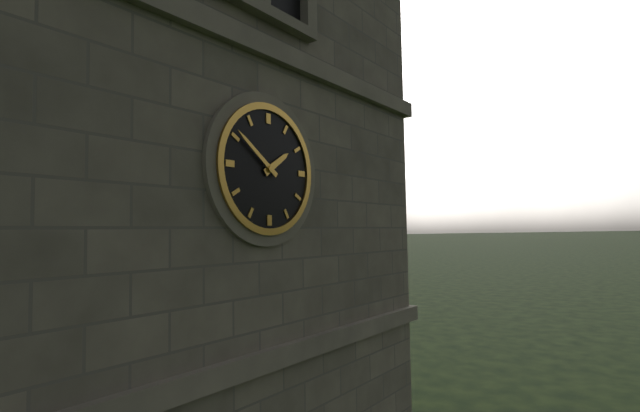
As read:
1:51
